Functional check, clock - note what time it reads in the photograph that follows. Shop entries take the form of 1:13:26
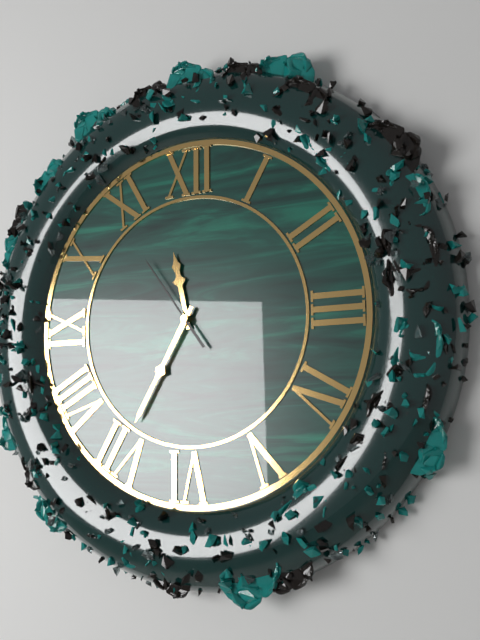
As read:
11:35:54
